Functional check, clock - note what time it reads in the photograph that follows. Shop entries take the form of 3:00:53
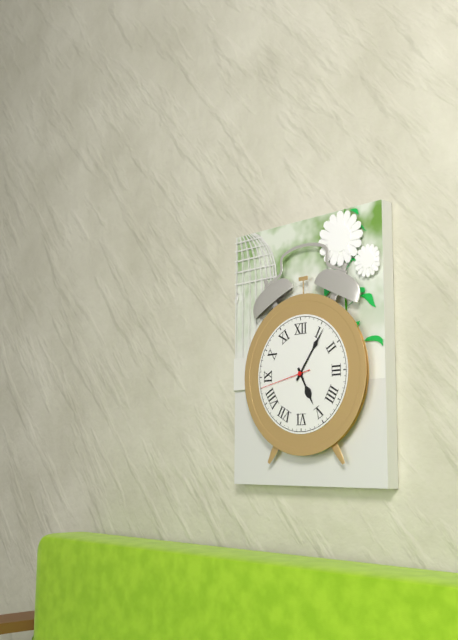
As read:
5:06:43
